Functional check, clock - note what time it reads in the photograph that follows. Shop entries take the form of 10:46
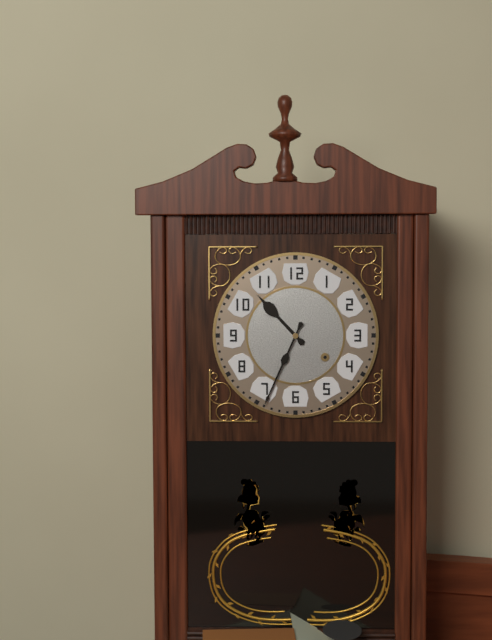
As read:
10:34
